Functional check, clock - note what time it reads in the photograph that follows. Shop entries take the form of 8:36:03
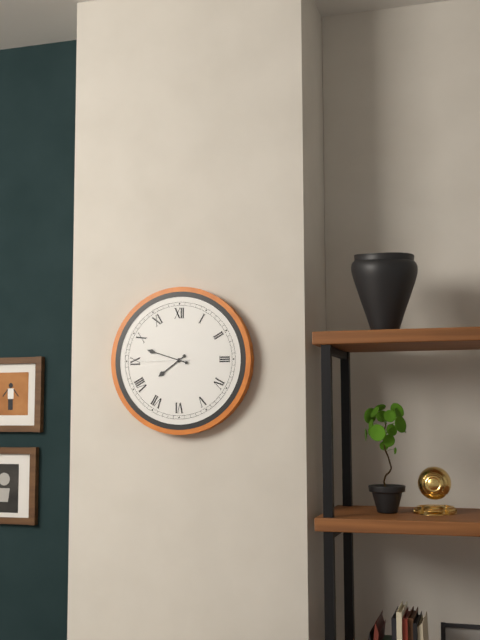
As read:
7:48:45
